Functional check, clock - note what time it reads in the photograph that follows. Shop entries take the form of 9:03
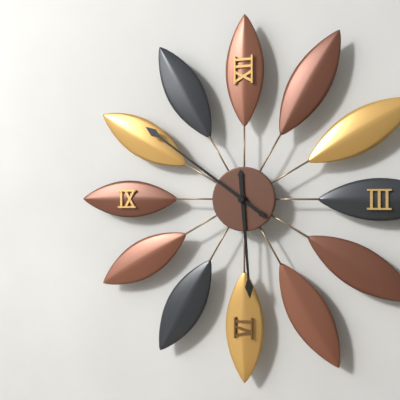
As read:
5:51
